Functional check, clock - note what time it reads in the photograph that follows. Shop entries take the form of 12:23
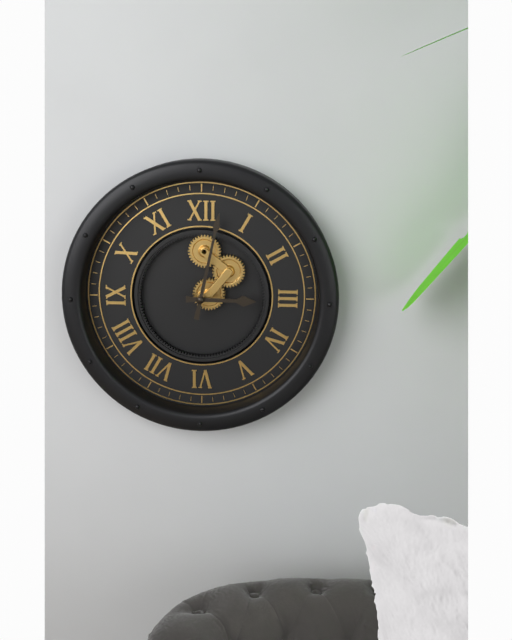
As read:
3:02
